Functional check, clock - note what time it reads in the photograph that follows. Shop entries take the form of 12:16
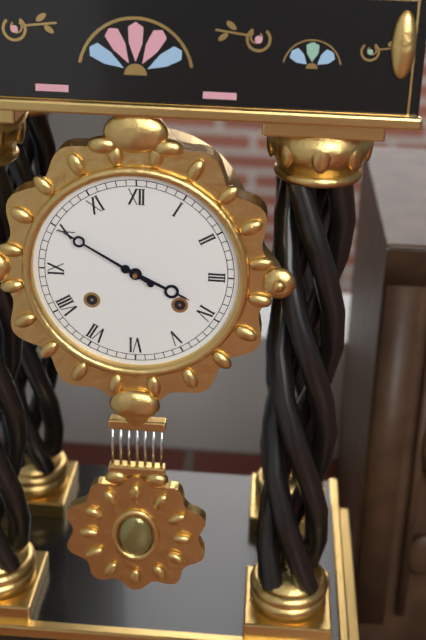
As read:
3:50
